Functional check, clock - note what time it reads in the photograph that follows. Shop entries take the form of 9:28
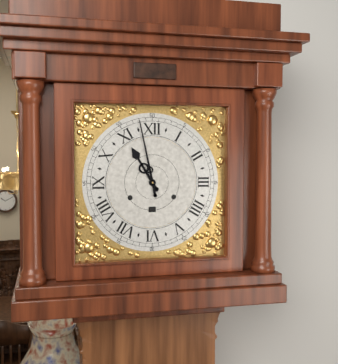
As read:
10:58
